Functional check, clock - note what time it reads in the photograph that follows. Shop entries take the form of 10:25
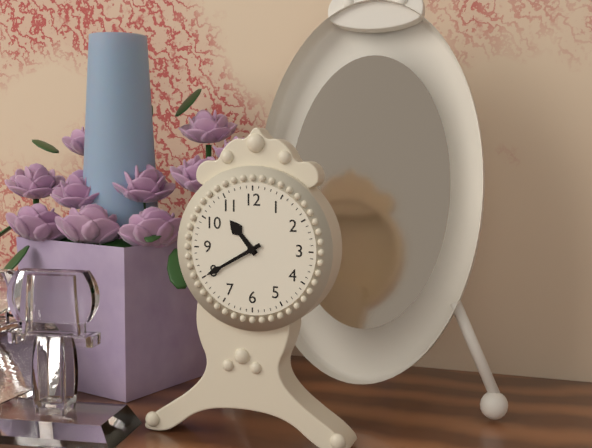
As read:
10:40
